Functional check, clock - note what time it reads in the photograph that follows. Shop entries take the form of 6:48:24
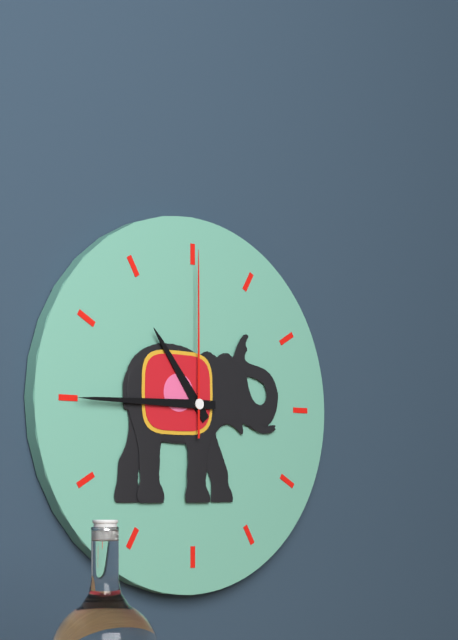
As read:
10:45:00
